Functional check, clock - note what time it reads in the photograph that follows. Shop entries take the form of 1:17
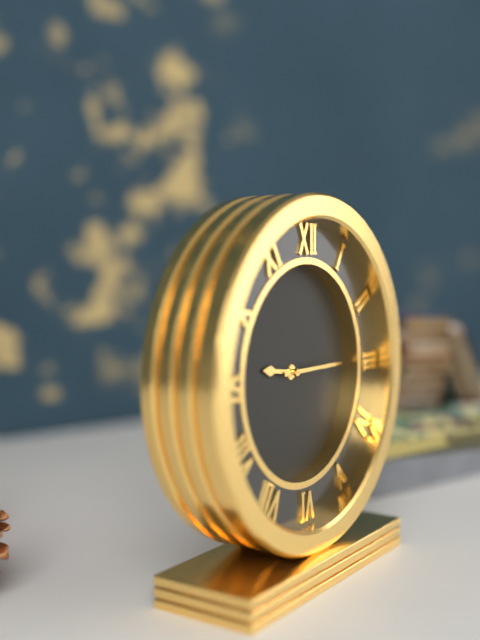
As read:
9:15
